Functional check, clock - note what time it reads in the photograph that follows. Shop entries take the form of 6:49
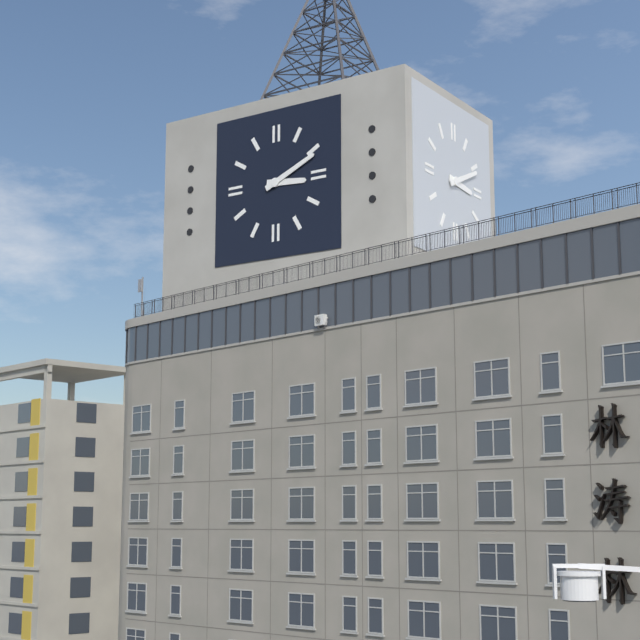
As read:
3:11
